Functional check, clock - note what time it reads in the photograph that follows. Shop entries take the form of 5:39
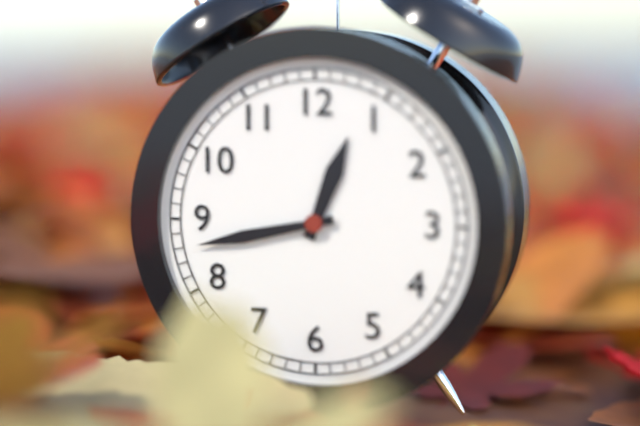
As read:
12:43
